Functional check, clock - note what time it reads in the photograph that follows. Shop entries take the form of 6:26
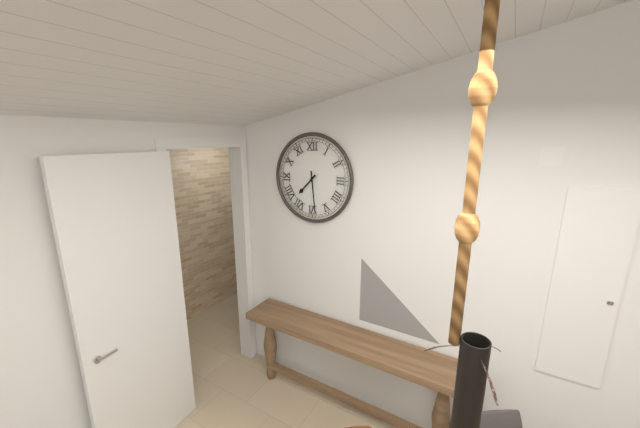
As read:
7:29
